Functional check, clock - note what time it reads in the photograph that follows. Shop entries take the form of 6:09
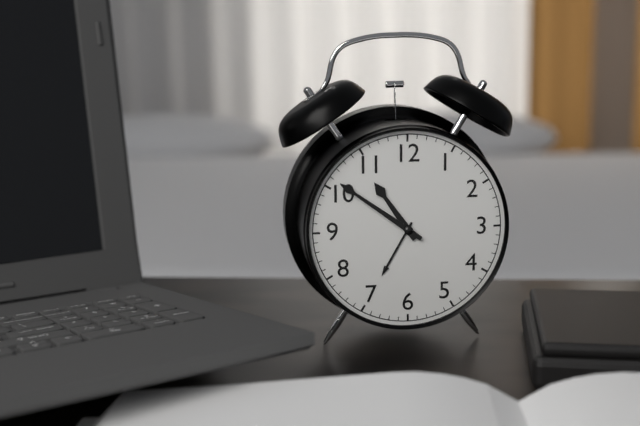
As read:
10:51
